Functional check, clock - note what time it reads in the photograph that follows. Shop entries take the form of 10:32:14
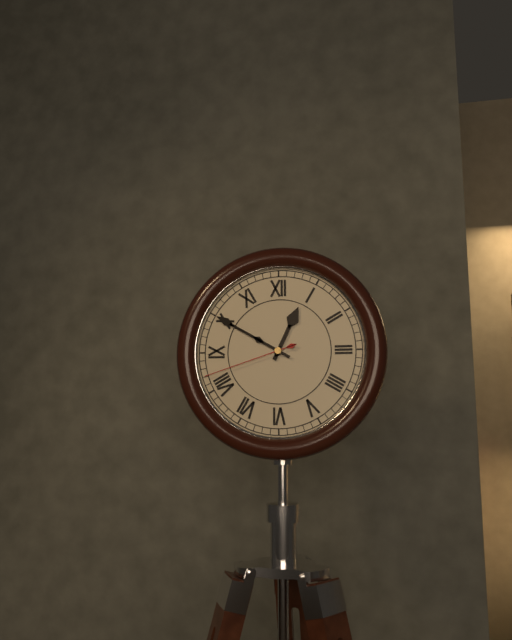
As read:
12:50:42
